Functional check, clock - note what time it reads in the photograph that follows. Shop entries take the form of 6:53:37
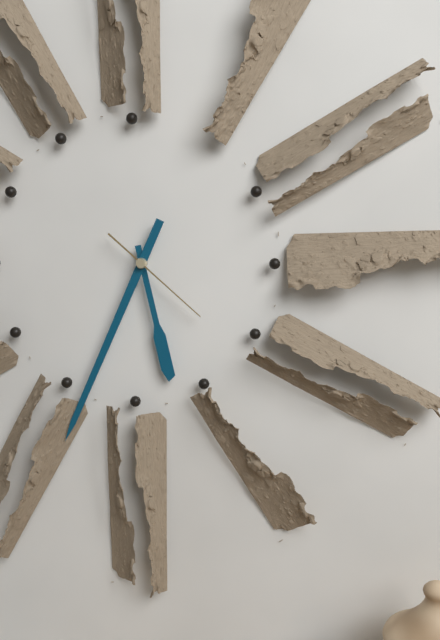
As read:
5:34:22
